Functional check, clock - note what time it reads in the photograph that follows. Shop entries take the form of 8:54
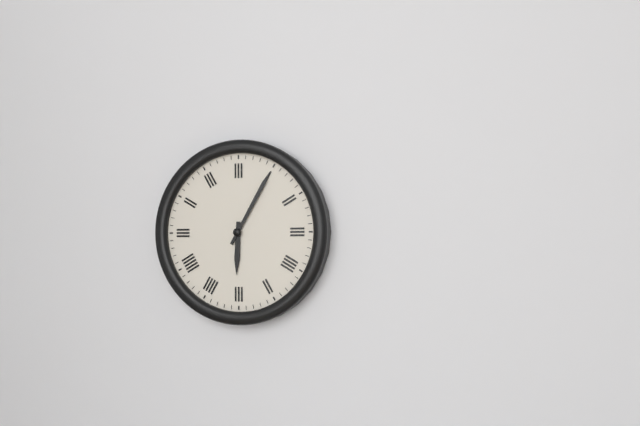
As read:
6:05
